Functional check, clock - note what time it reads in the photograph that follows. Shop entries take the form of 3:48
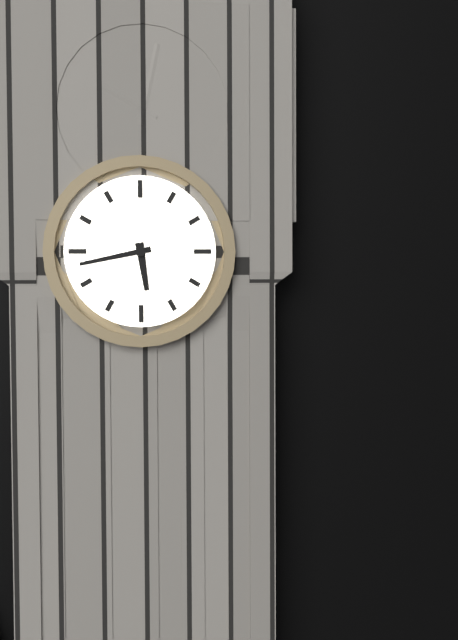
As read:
5:43
